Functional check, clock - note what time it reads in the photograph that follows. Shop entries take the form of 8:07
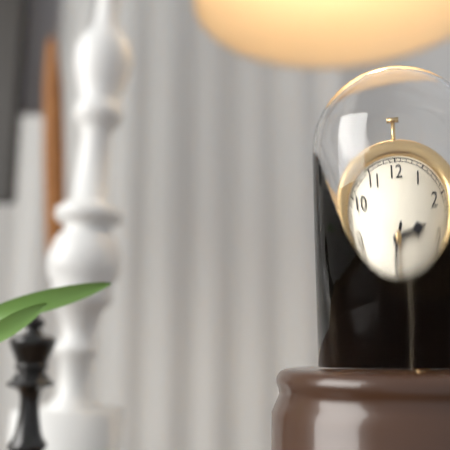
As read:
2:34
